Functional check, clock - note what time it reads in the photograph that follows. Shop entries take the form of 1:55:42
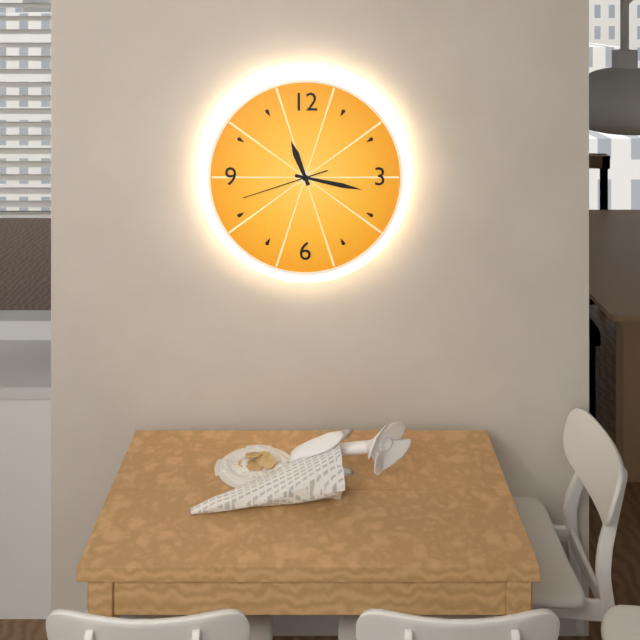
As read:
11:17:42
